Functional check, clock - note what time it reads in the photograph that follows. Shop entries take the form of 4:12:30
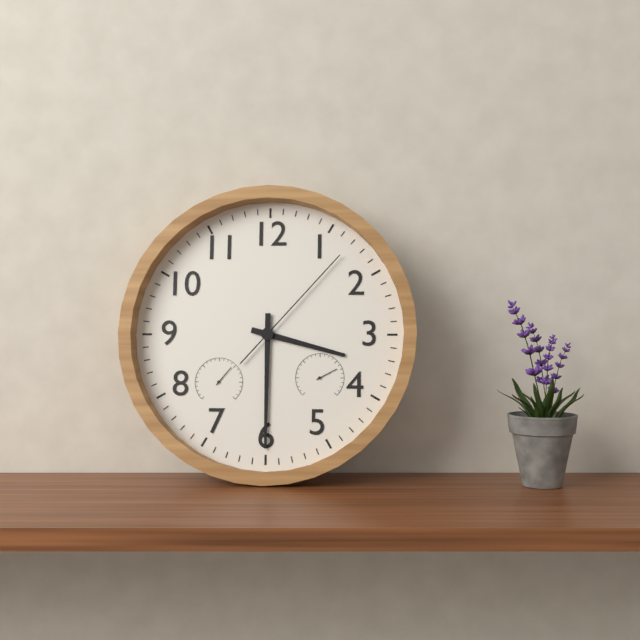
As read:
3:30:07
